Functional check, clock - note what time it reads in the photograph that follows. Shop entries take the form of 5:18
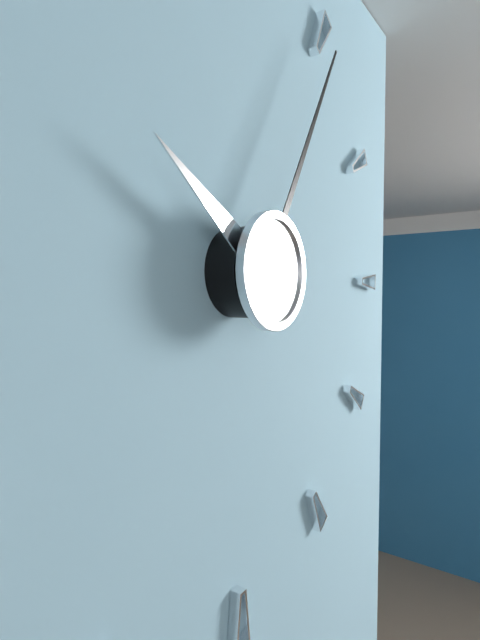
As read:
10:05
